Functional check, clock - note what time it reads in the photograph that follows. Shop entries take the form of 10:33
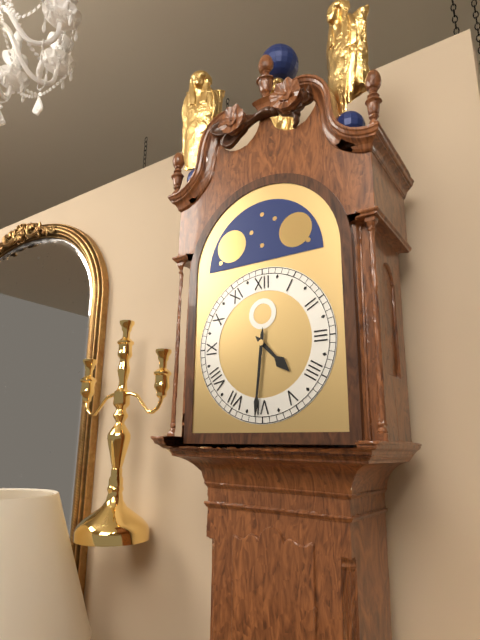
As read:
4:31
